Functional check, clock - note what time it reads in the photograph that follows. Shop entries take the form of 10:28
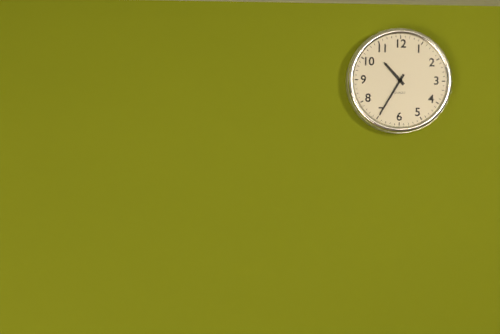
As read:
10:35
